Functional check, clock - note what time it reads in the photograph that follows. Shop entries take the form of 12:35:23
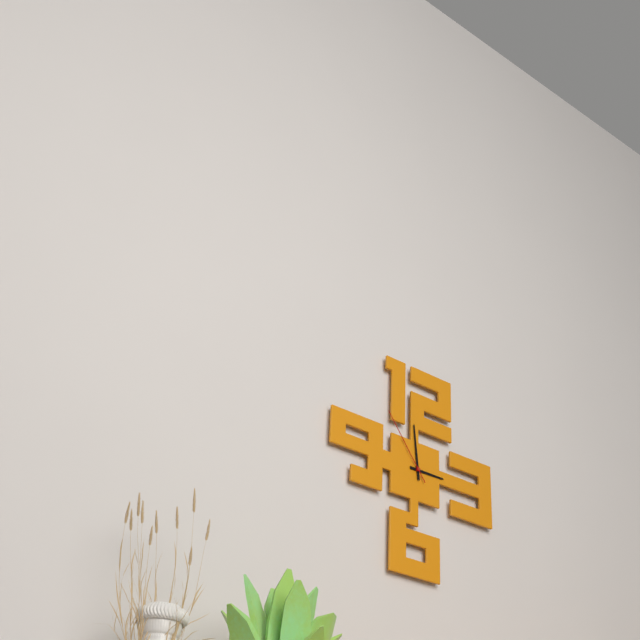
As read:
2:59:54
